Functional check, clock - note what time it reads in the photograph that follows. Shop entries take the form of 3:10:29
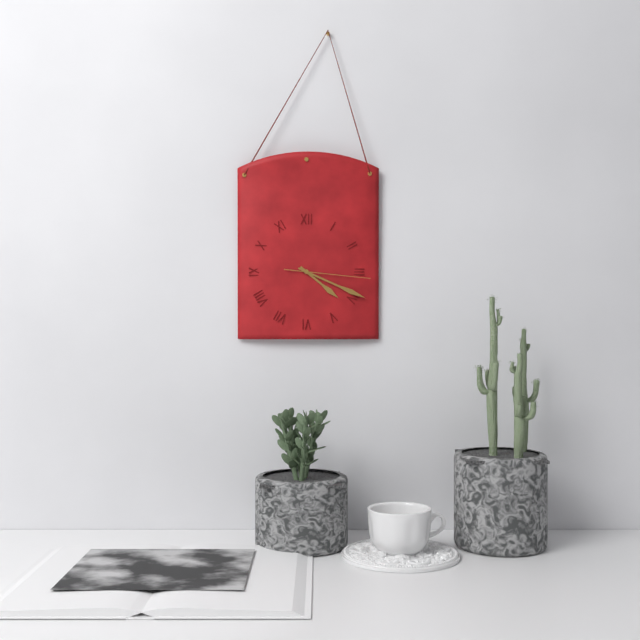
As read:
4:19:16
